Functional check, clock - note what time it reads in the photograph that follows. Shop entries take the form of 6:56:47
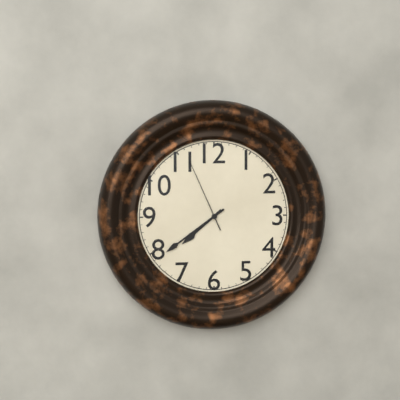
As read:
7:39:56
